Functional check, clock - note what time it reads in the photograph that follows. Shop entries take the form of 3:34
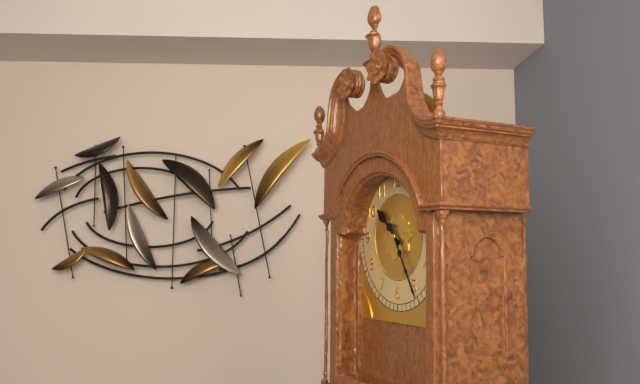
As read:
10:25
